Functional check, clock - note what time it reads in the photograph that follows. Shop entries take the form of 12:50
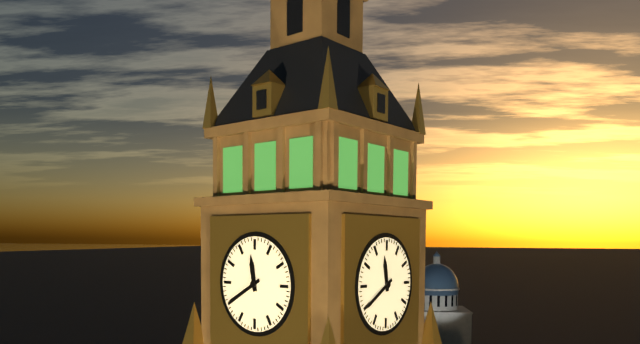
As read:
11:40
